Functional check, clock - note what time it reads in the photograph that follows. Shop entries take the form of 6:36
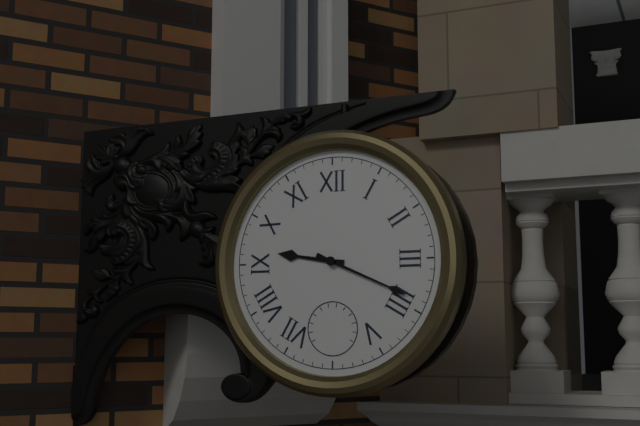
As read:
9:19
